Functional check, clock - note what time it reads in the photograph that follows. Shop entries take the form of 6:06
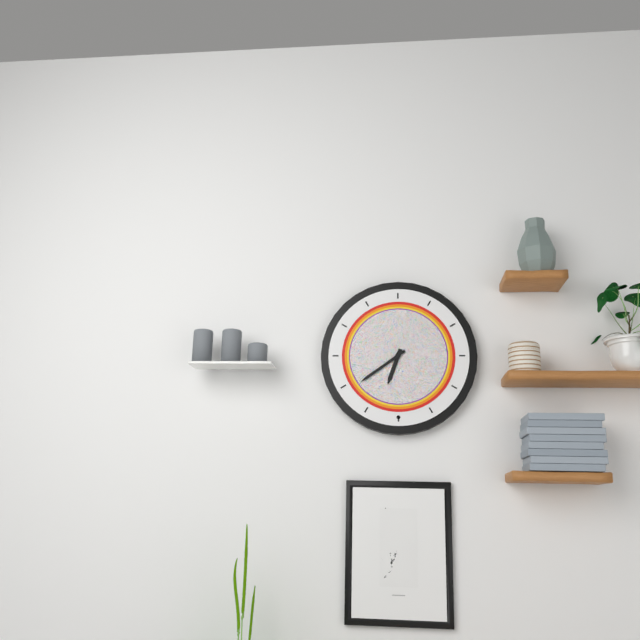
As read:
6:39
